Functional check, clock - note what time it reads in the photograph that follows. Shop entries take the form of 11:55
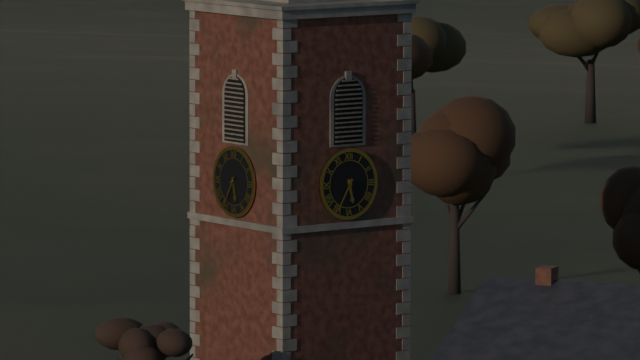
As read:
5:35
